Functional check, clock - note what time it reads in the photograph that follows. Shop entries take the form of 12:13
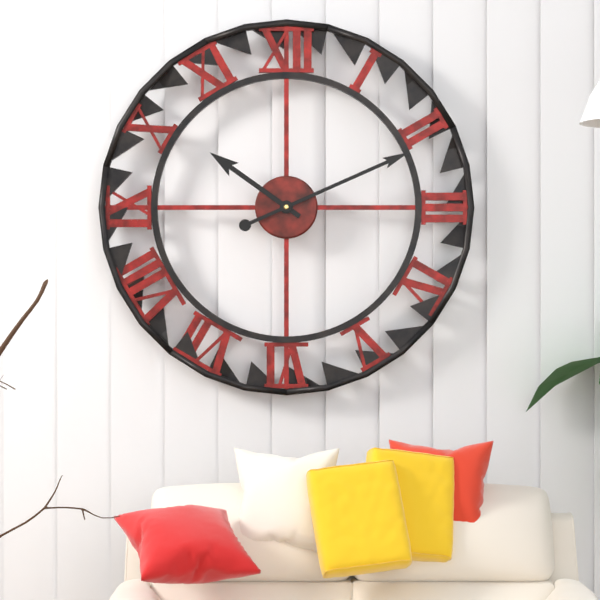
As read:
10:11
